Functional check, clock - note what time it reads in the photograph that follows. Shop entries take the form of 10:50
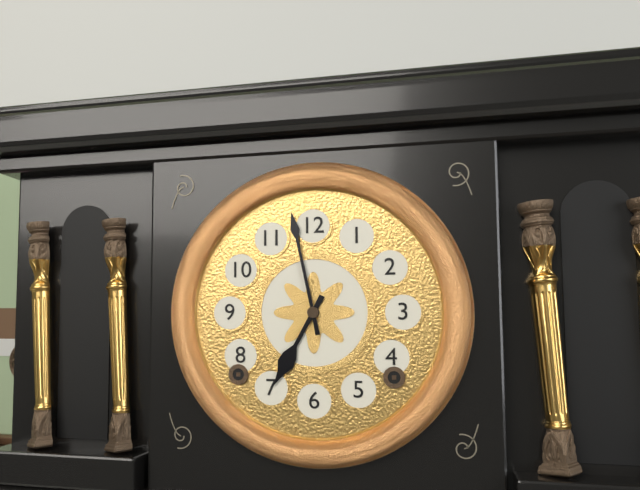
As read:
6:58
